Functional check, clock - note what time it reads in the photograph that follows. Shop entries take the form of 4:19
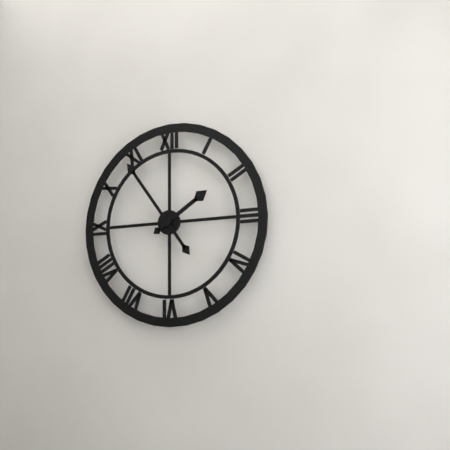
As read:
1:54
